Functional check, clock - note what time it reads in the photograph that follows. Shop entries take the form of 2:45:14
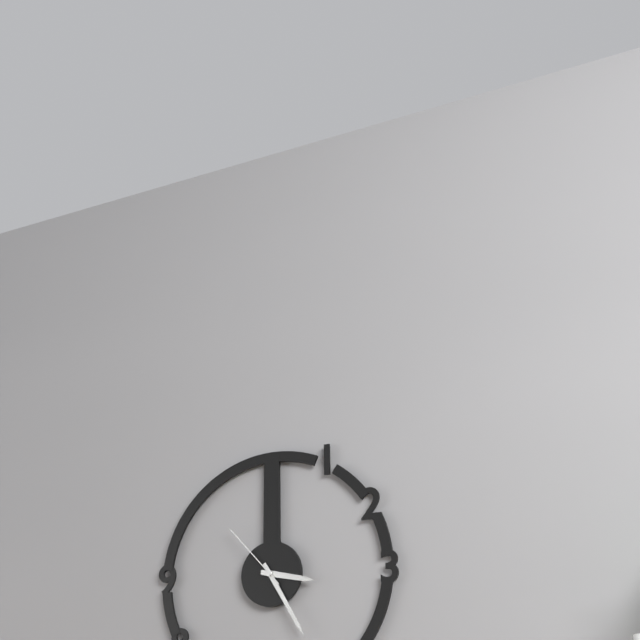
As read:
3:25:53
